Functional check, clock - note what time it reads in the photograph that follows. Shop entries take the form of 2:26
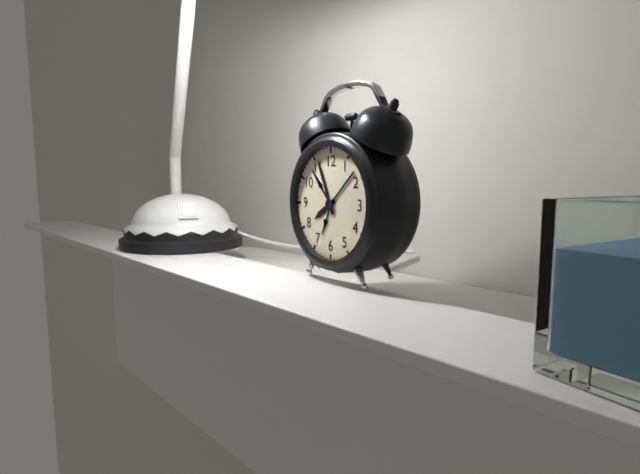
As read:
7:56
